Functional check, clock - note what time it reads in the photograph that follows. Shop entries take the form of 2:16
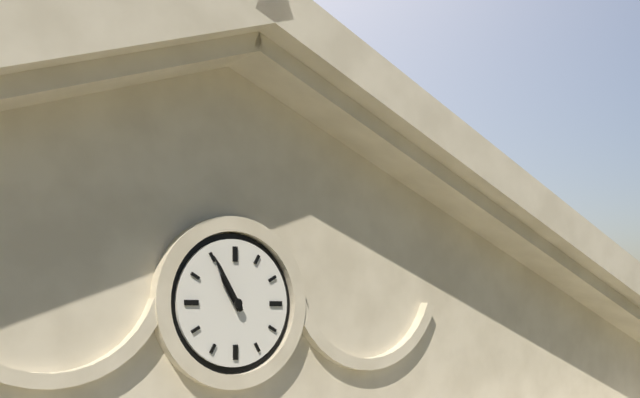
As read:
10:55
